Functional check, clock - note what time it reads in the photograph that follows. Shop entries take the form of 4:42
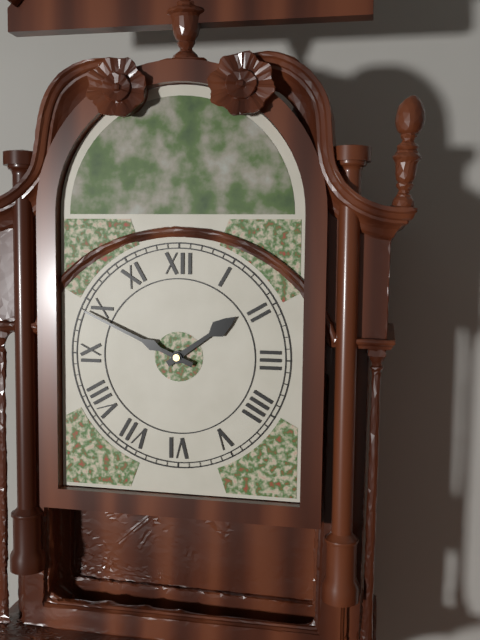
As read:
1:49
